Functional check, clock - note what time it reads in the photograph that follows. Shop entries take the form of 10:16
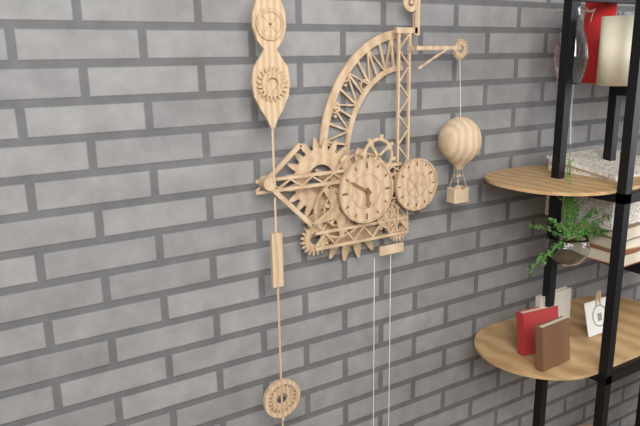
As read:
5:50
